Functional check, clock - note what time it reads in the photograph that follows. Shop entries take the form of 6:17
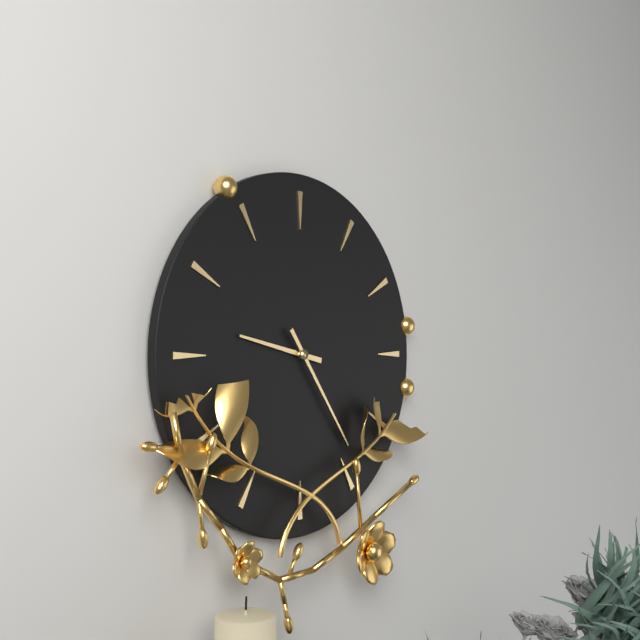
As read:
9:24
